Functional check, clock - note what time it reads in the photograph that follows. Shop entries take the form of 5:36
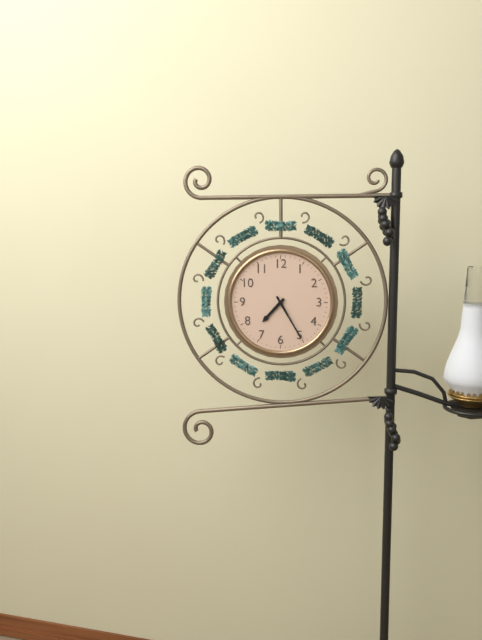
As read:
7:25
